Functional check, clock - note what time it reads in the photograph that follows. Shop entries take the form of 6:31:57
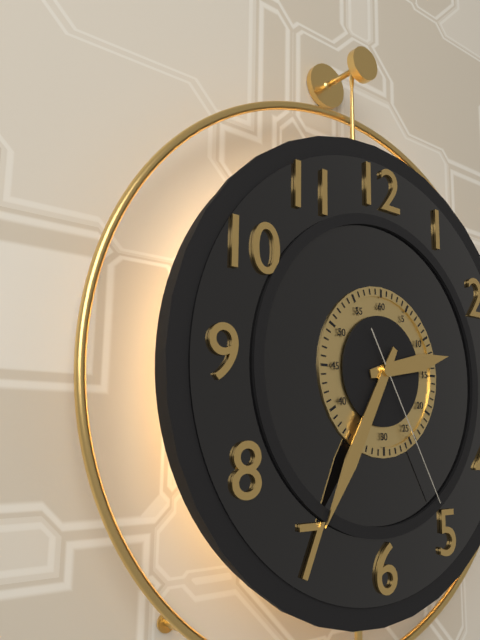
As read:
2:35:25
